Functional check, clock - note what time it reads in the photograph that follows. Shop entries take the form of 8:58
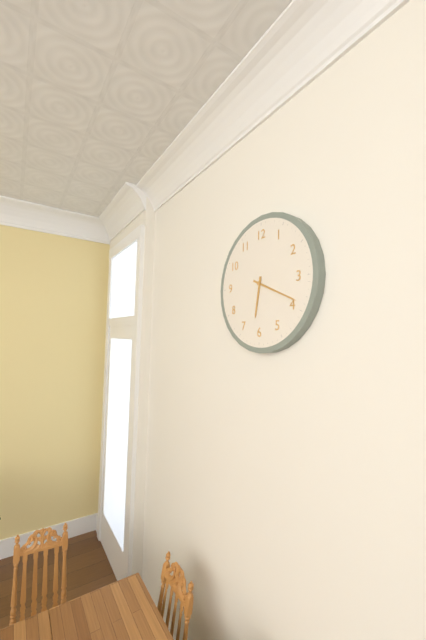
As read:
6:19
